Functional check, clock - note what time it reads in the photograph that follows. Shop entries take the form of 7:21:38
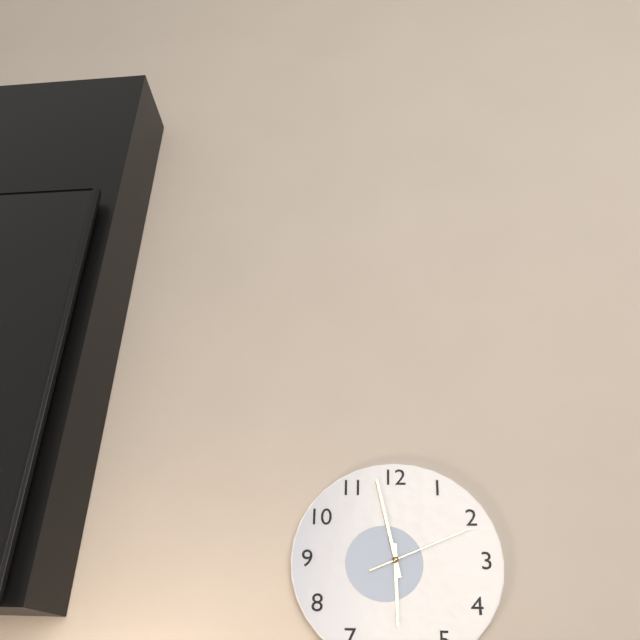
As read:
5:58:11
